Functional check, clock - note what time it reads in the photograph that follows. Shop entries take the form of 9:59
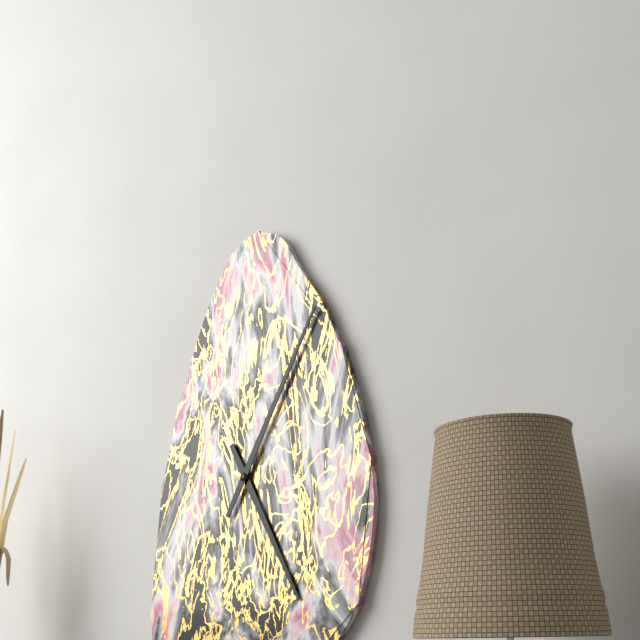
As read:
5:05
